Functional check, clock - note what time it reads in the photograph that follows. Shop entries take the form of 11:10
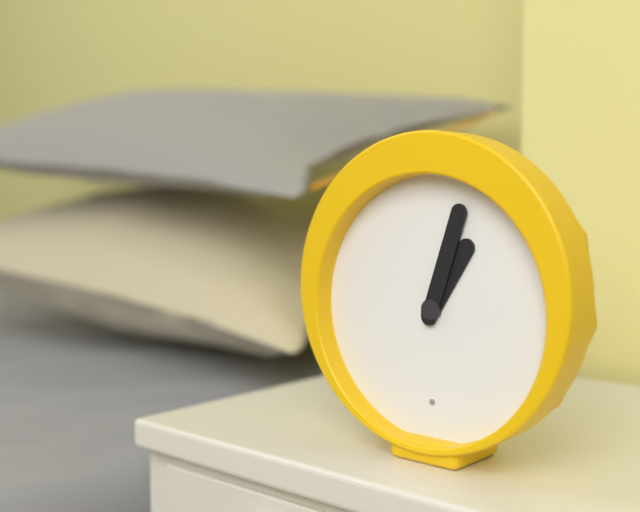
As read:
1:03
